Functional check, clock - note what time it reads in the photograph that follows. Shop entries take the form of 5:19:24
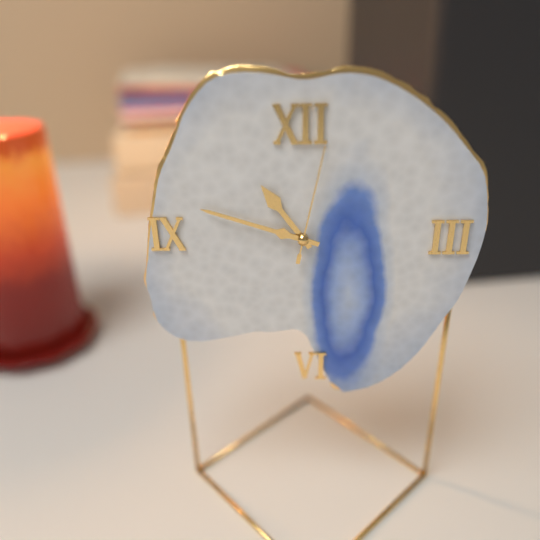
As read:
10:48:02
